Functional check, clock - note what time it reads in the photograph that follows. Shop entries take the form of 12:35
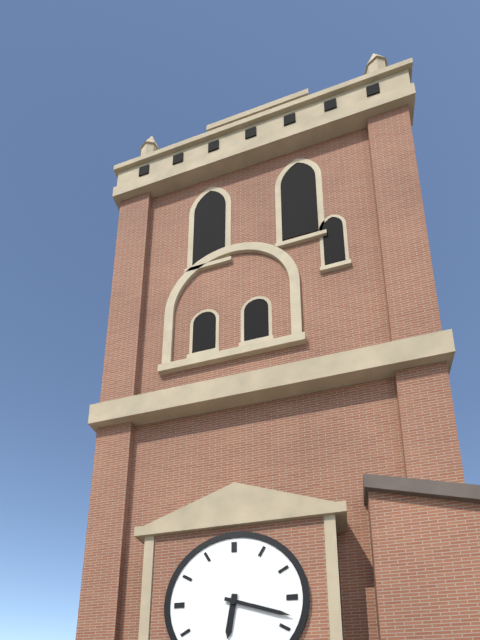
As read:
6:18
